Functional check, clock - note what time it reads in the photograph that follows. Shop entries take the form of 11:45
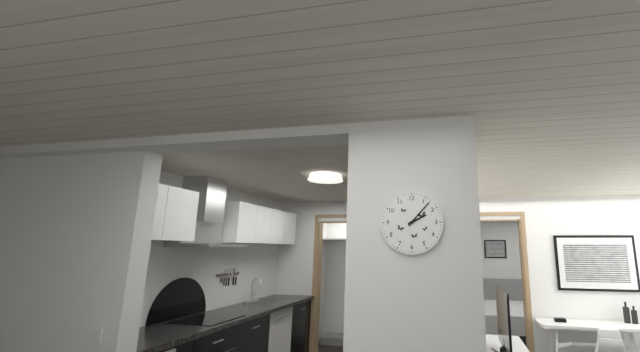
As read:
2:07
